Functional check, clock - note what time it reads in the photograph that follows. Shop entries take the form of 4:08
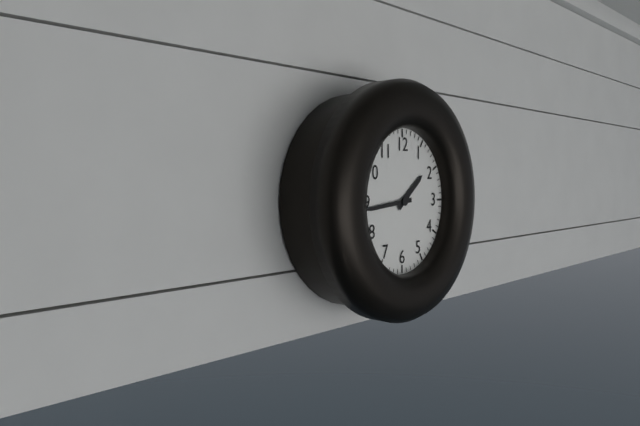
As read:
1:44
